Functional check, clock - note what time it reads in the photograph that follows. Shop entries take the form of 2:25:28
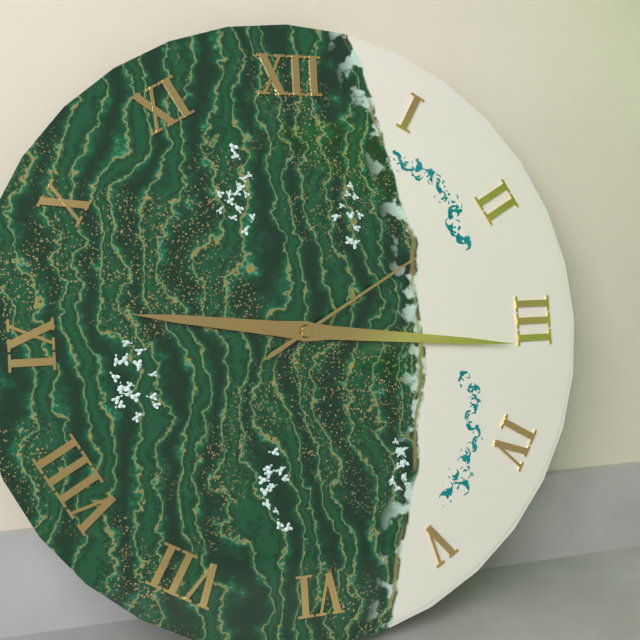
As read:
9:16:10
